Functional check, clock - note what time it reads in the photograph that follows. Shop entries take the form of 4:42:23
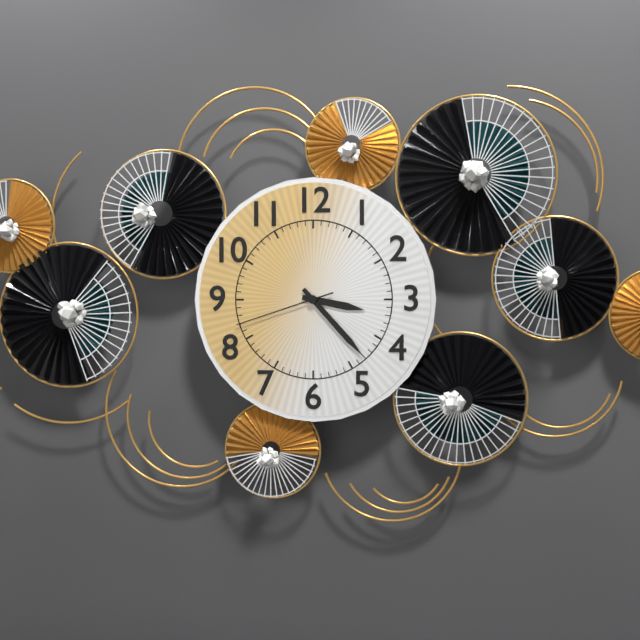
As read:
3:23:42
